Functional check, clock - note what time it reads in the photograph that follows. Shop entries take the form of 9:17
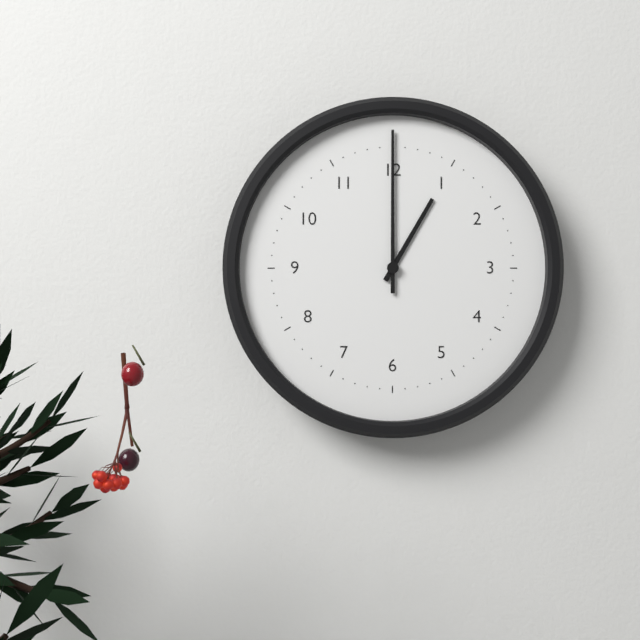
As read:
1:00
